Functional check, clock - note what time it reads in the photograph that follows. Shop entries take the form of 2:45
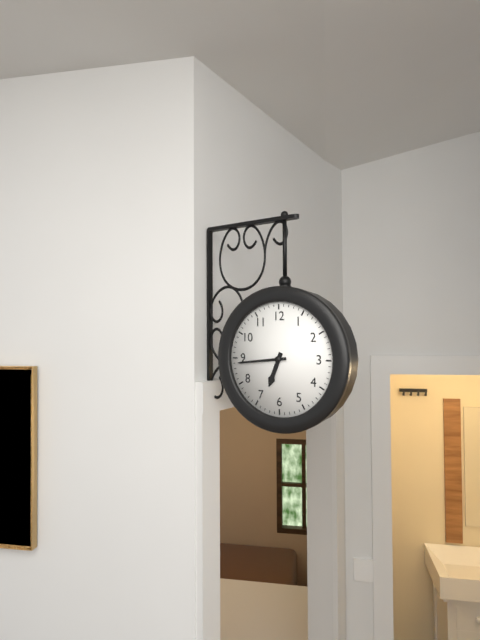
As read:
6:44
